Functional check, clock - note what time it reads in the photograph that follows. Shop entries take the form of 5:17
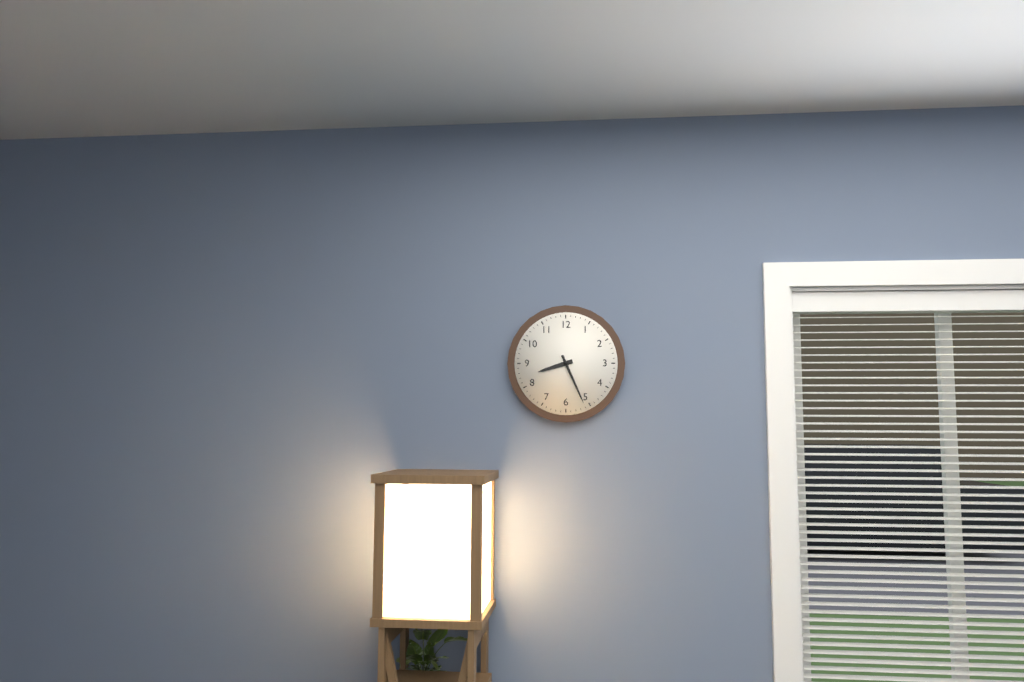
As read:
8:26
